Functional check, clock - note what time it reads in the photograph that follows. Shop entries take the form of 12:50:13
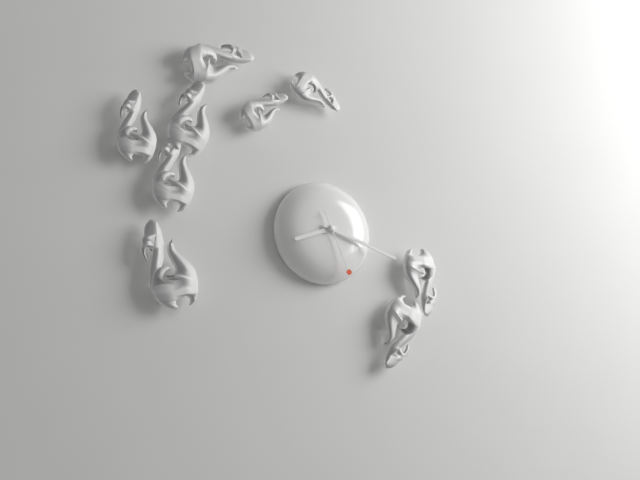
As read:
8:18:26
